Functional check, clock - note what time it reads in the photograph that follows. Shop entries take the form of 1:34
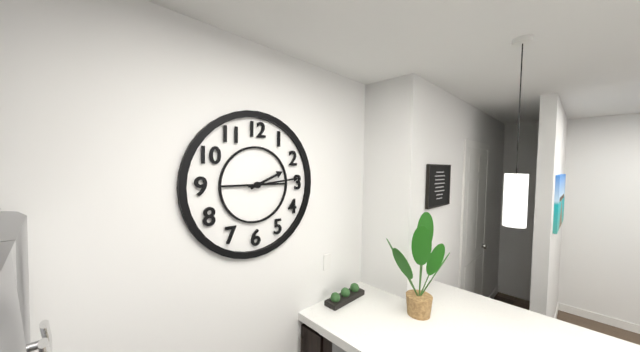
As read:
2:14
